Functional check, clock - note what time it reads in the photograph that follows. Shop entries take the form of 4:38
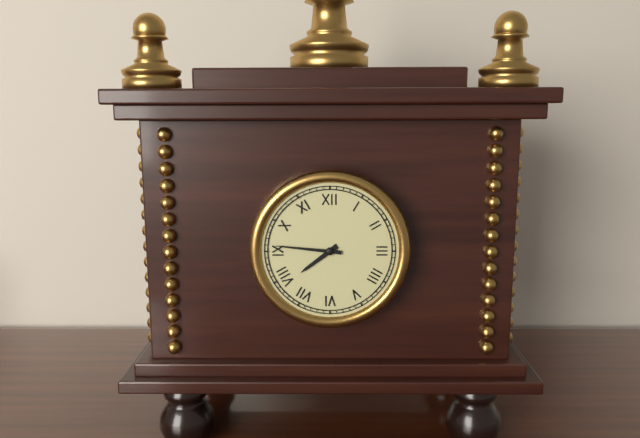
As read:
7:46
